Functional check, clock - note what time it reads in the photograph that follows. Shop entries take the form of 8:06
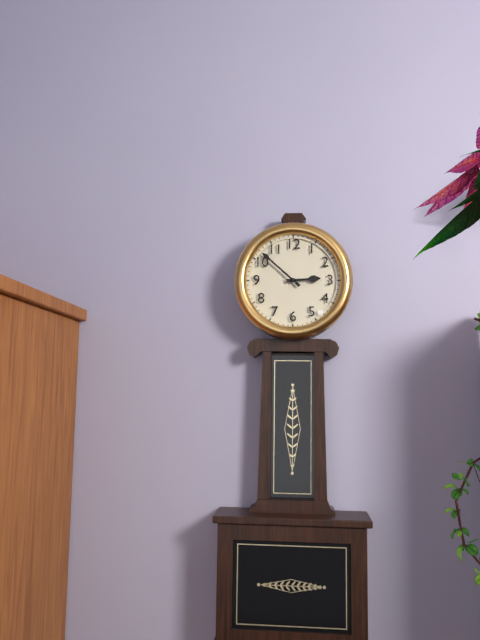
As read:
2:52
